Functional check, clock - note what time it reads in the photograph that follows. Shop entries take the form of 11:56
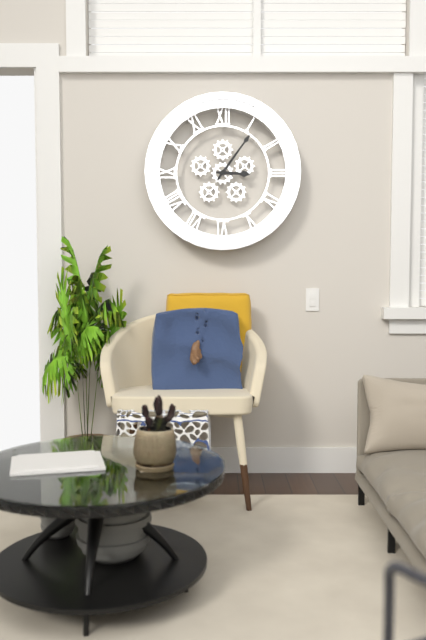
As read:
3:06
